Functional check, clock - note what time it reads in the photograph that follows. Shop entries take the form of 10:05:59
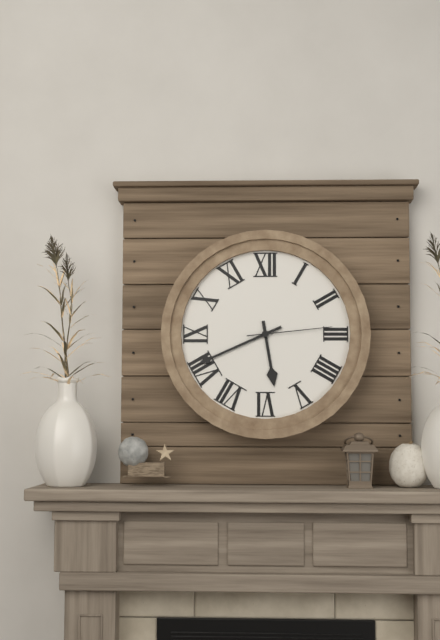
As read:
5:41:14
